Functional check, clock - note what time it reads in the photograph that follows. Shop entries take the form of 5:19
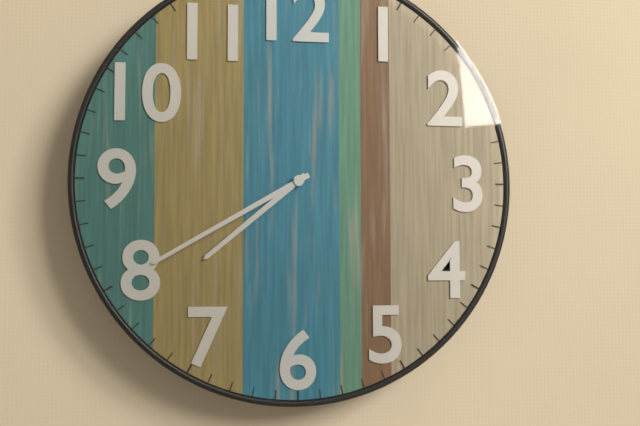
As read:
7:40
